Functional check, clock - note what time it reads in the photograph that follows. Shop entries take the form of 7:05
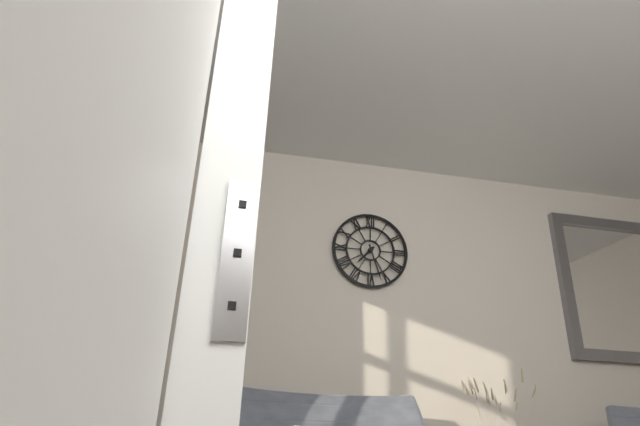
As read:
7:27
